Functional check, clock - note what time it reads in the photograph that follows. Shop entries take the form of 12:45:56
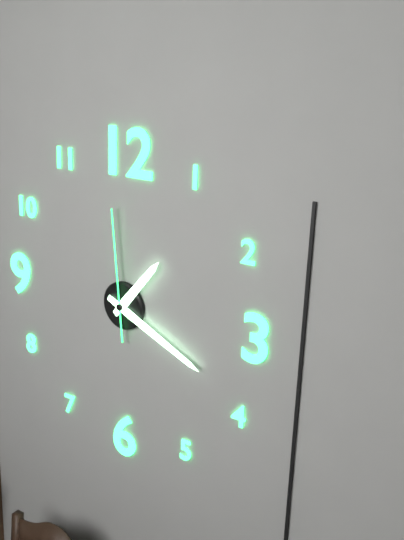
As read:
1:19:59
